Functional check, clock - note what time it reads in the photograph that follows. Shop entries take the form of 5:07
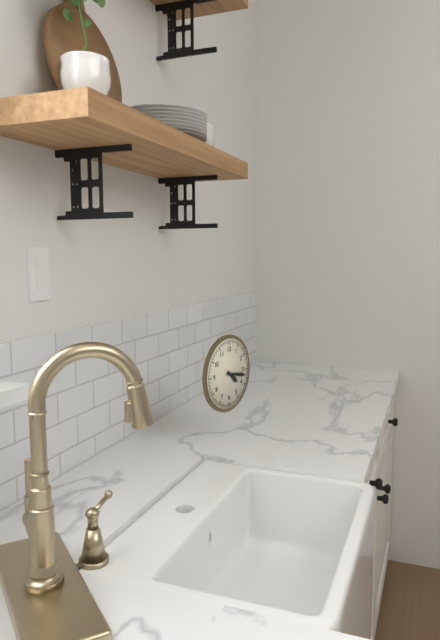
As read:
4:17
